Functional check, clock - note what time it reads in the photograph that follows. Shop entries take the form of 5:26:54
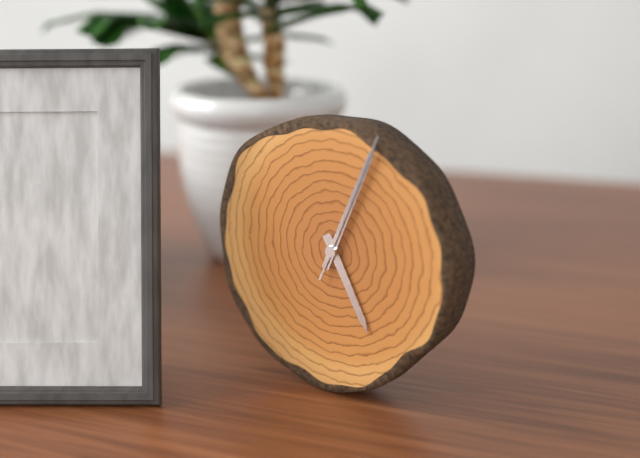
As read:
5:04:04
